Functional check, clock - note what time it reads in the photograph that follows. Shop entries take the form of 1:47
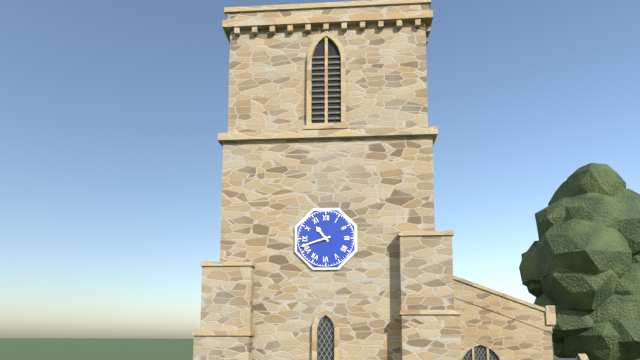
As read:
10:42
